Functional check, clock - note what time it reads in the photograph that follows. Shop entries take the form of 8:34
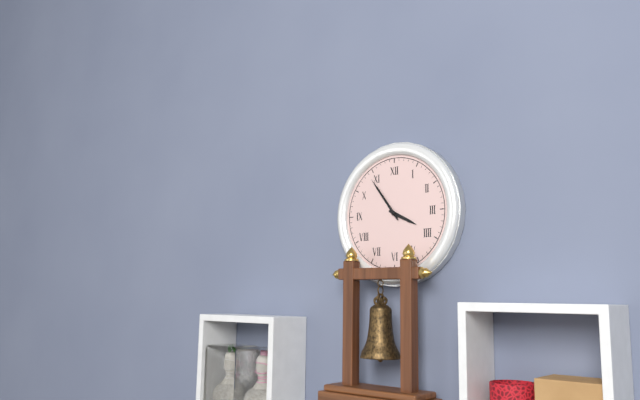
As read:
3:54
